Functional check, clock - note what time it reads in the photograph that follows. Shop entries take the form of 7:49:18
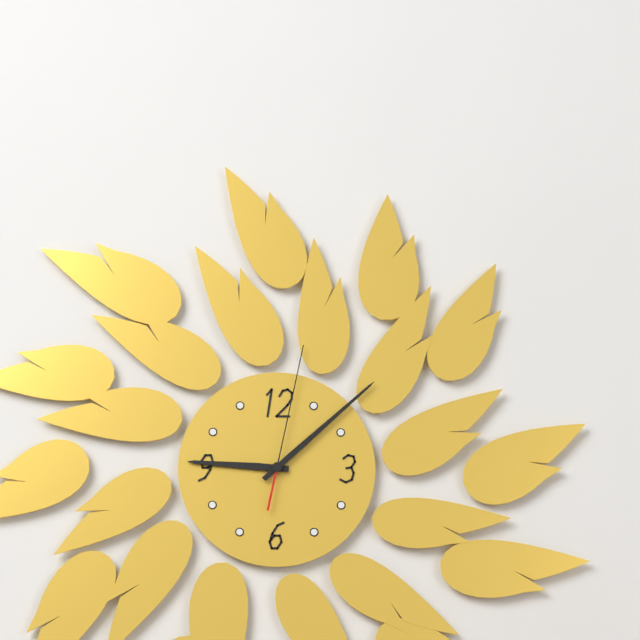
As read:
9:08:02
